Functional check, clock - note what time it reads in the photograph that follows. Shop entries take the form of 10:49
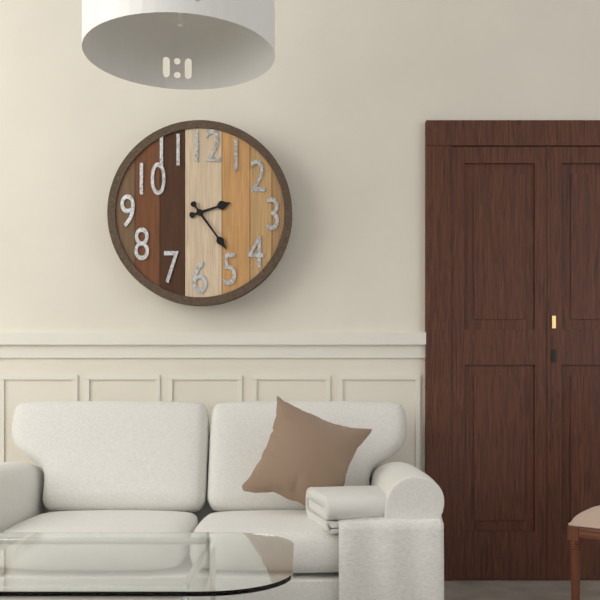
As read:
2:24
